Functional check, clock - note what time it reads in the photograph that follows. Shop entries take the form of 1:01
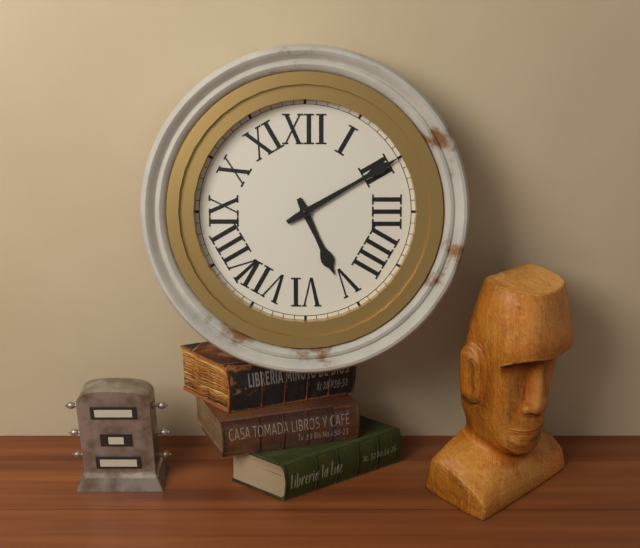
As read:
5:10
